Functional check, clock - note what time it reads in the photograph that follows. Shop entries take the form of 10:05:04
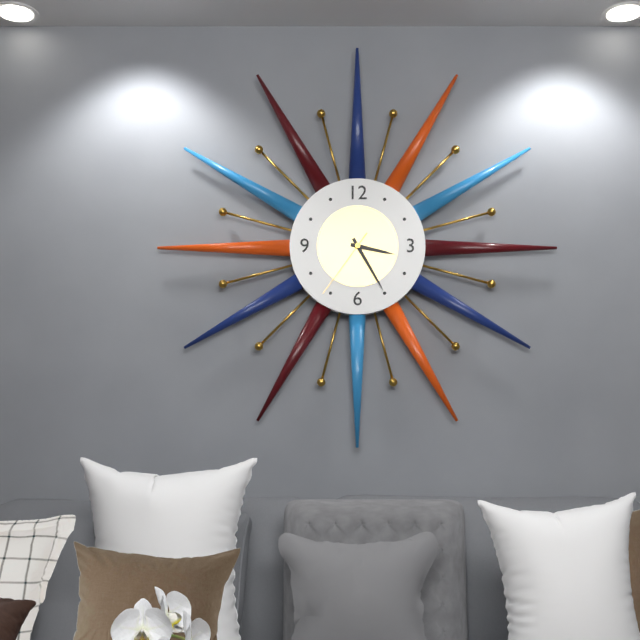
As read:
3:25:36
